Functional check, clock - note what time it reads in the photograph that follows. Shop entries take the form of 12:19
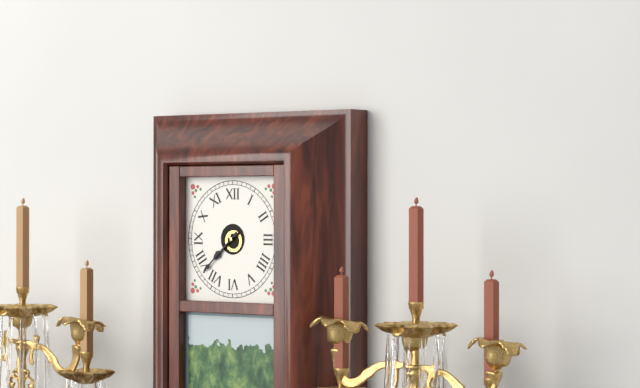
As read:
7:38
